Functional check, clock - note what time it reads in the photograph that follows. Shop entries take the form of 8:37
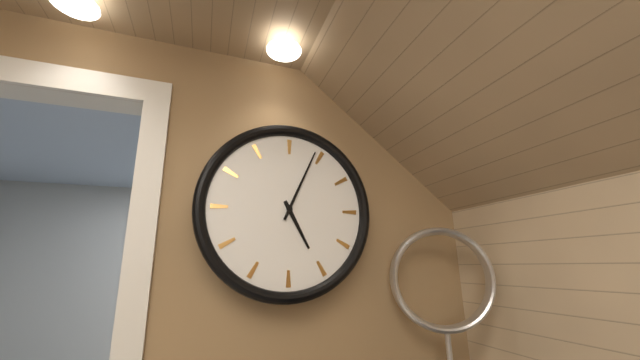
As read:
5:04
